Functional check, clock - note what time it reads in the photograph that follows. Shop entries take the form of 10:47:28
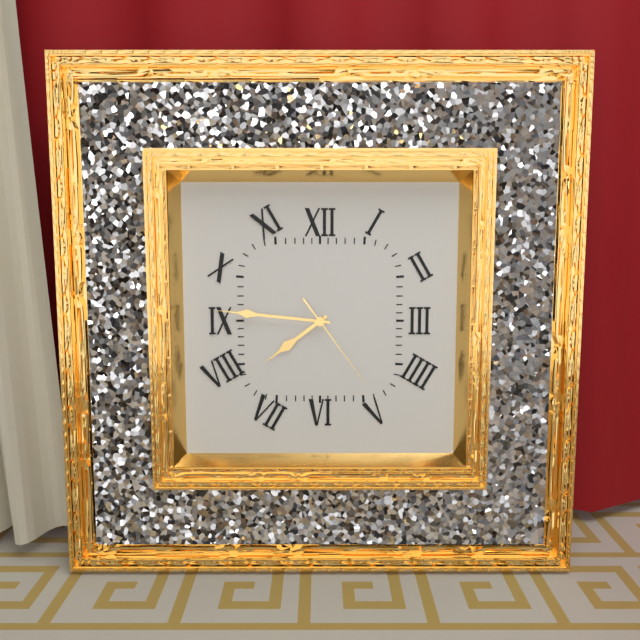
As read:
7:46:24
